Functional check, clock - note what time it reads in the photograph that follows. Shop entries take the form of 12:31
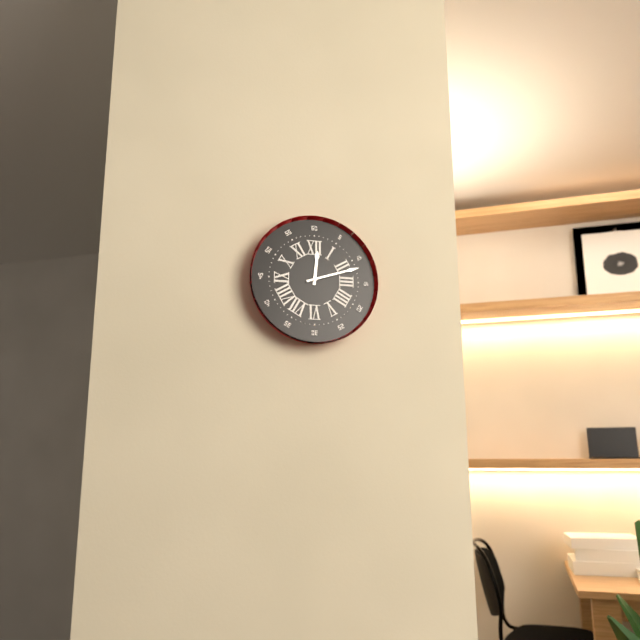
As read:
12:12
